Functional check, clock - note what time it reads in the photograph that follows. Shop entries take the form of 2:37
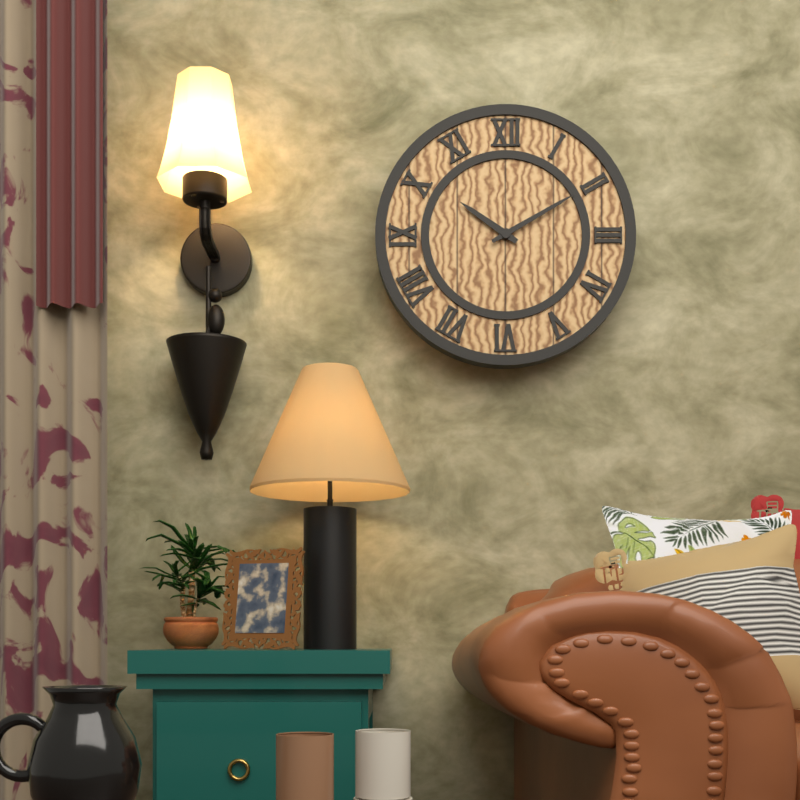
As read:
10:10
